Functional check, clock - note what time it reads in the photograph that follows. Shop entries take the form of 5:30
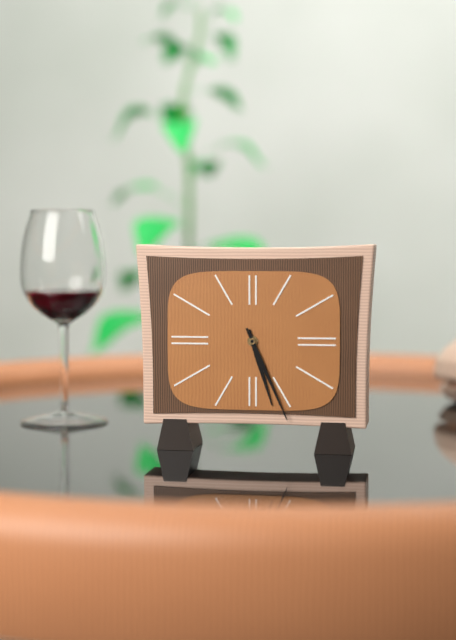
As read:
5:26
